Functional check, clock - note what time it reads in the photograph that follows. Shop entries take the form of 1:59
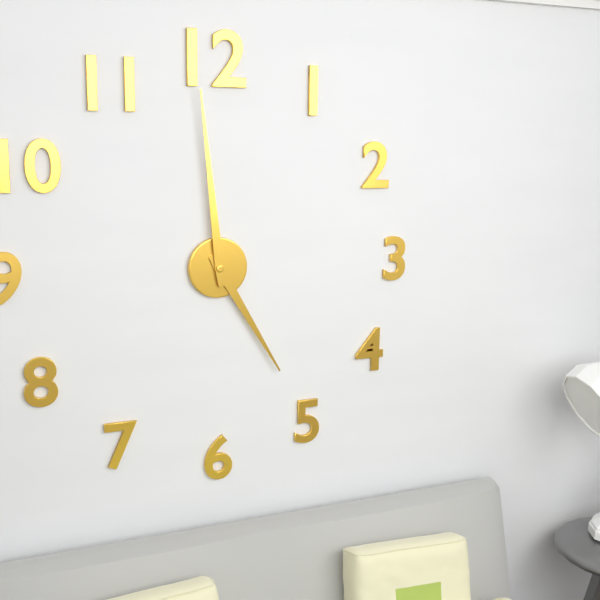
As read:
4:59
